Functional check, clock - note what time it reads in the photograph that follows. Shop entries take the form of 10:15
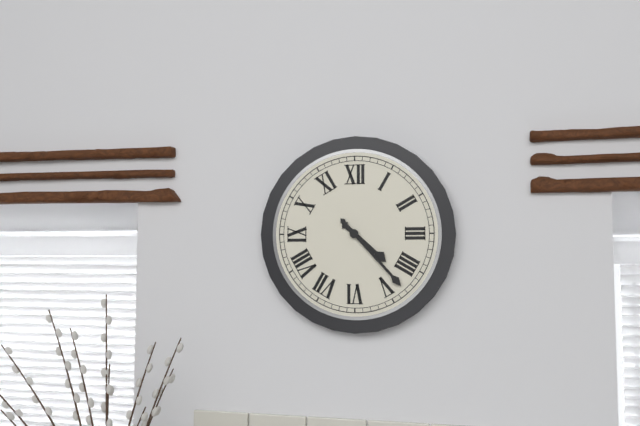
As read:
4:23
